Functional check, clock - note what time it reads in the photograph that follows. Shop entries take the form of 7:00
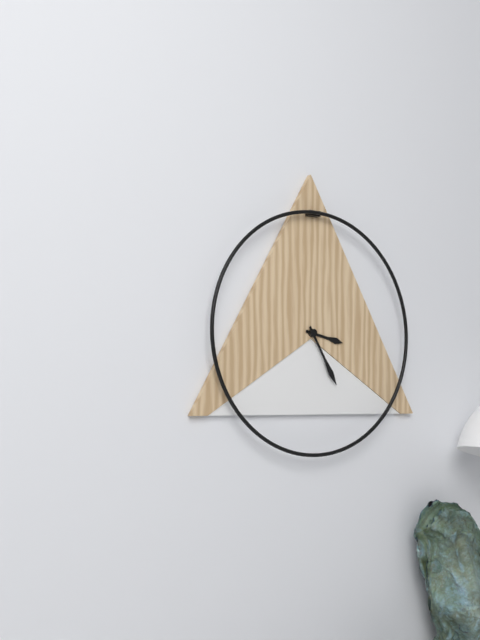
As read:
3:25
